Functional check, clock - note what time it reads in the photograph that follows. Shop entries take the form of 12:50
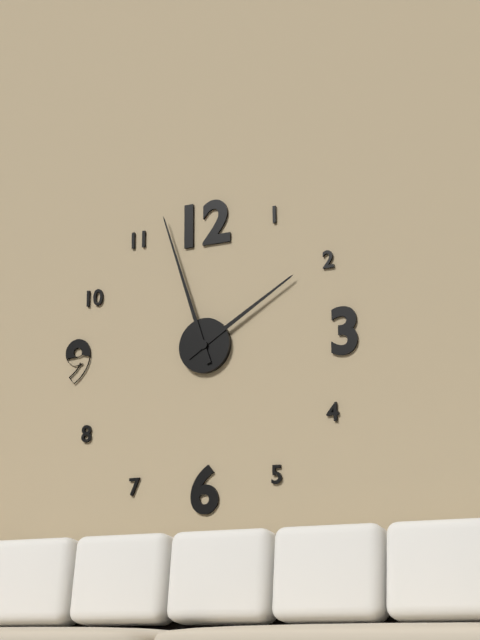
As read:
1:57
